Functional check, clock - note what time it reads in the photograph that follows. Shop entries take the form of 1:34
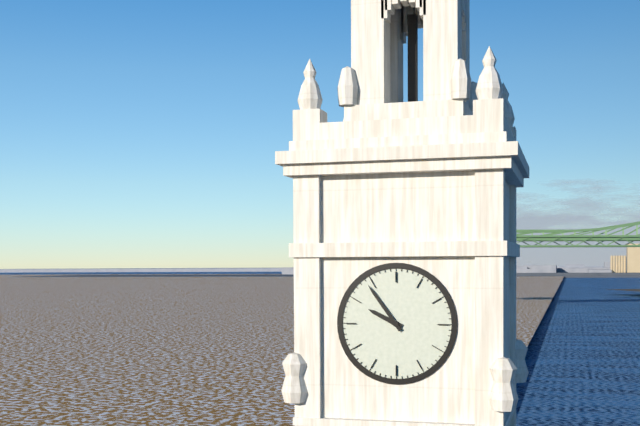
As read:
9:54
